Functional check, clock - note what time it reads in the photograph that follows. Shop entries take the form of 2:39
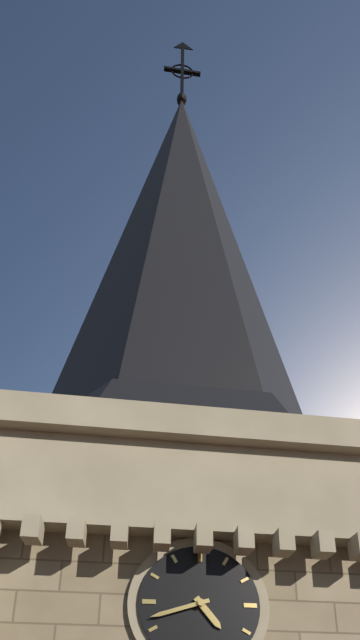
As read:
4:42
